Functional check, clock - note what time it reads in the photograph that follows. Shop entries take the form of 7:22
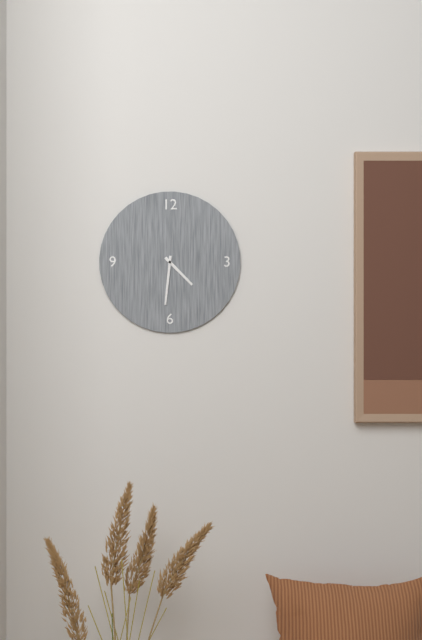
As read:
4:31
